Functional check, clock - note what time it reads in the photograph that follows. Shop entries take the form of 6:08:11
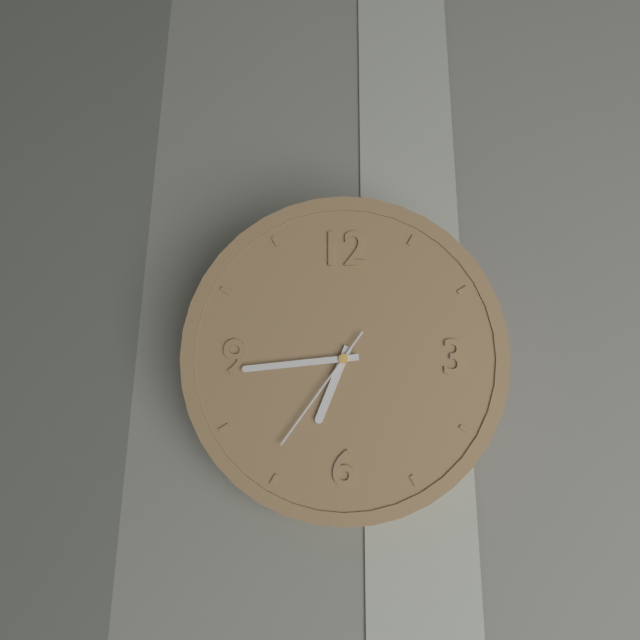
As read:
6:44:36
